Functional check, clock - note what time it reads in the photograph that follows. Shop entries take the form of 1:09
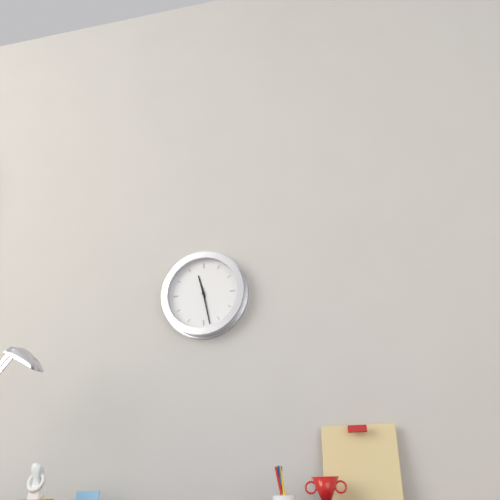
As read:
11:28
